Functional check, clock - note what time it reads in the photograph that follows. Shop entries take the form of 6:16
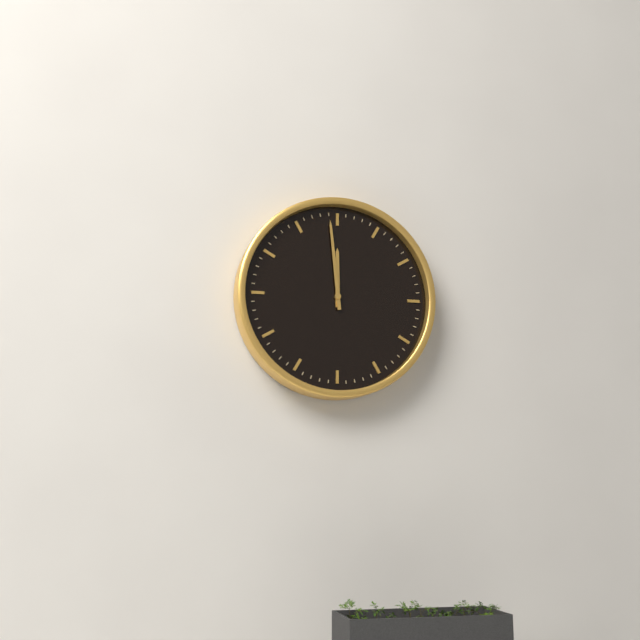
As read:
11:59
